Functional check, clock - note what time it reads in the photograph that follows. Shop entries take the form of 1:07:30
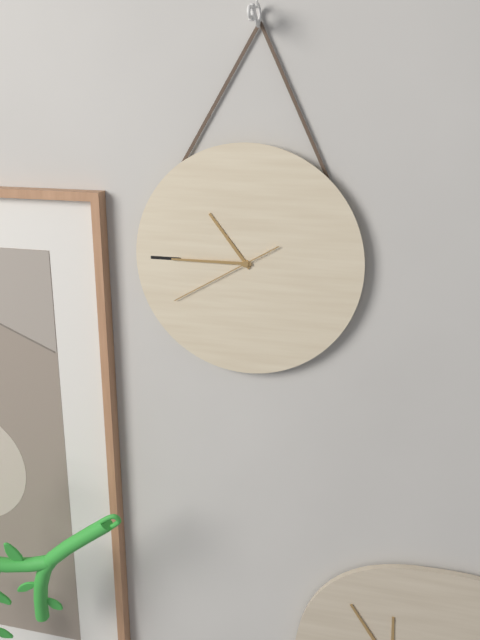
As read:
10:45:40
